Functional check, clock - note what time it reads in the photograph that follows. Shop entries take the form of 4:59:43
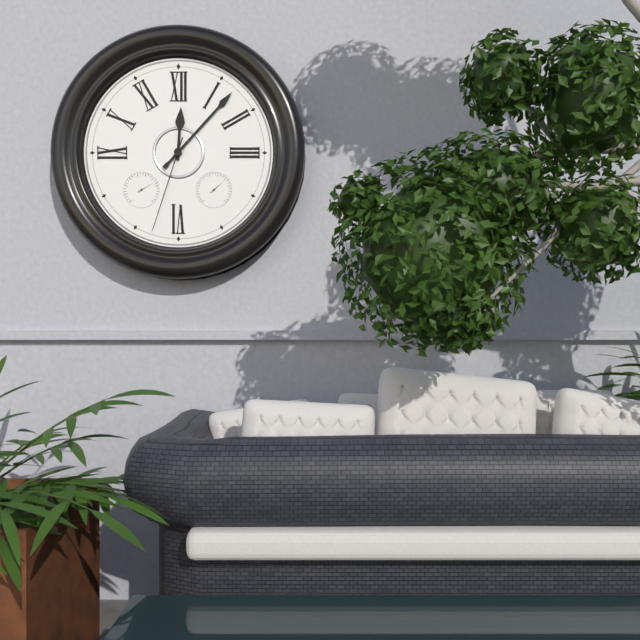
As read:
12:07:33
